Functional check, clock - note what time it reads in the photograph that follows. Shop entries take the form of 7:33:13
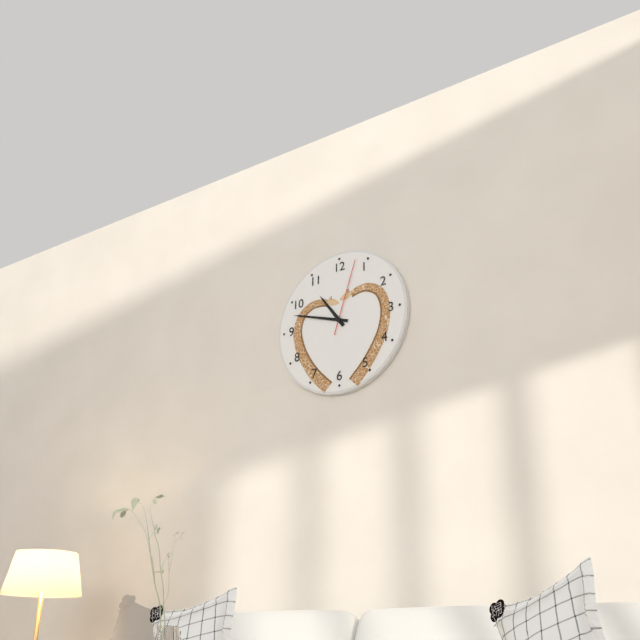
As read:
10:48:03
